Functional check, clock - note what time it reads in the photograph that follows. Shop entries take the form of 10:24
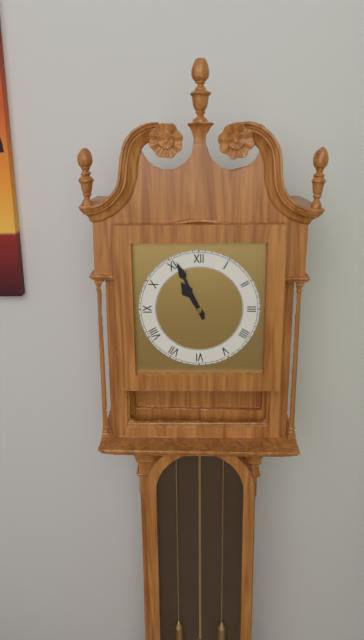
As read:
10:56
